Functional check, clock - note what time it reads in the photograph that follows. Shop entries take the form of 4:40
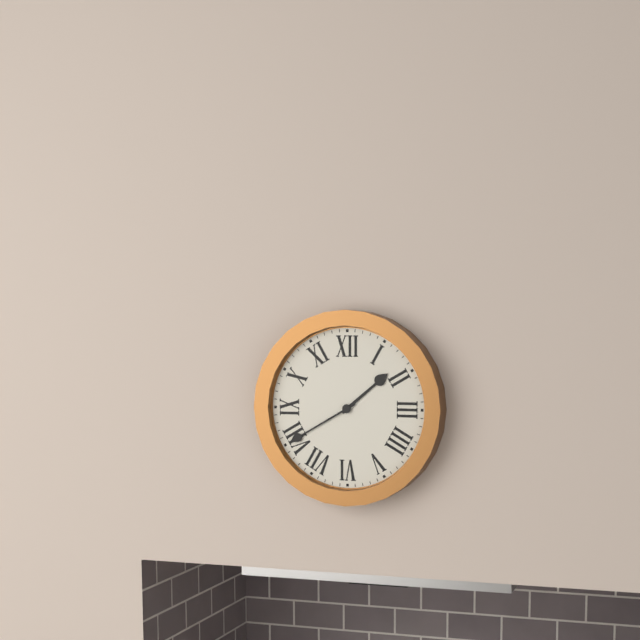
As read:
1:40
